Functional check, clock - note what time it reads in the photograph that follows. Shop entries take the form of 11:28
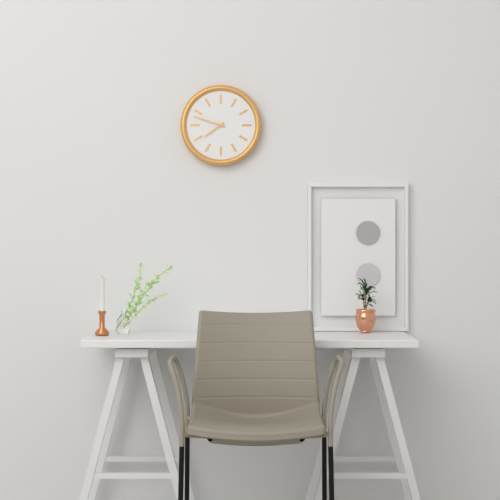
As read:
7:48
